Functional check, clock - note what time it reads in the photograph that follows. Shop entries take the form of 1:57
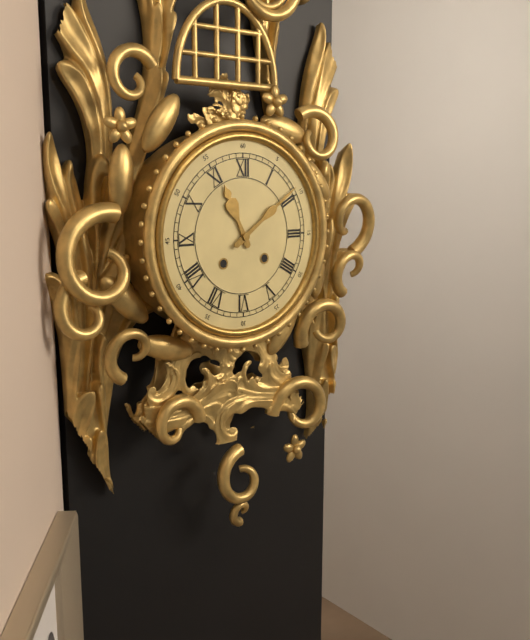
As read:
11:09
